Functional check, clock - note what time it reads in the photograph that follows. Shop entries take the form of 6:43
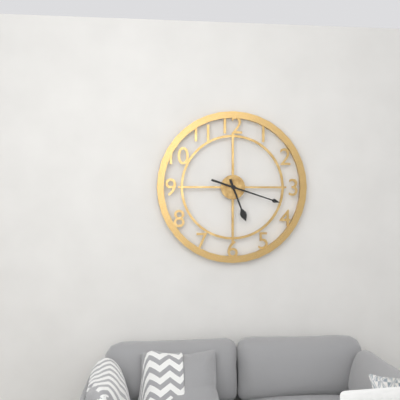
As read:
5:18
